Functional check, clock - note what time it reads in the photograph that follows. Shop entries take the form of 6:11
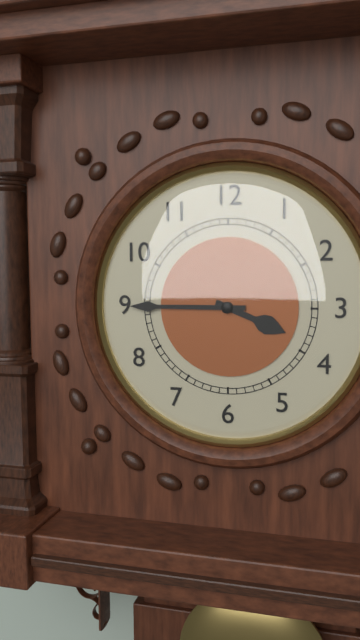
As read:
3:45
